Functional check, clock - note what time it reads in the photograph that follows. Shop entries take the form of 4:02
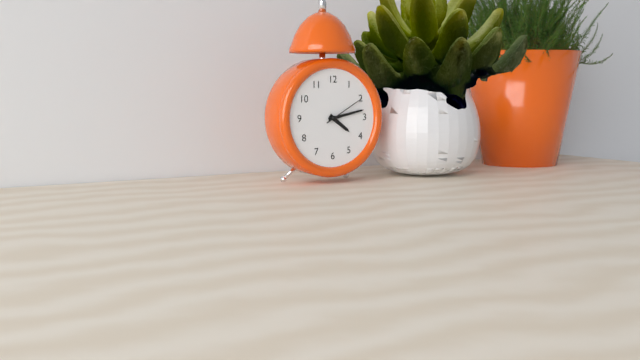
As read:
4:13
